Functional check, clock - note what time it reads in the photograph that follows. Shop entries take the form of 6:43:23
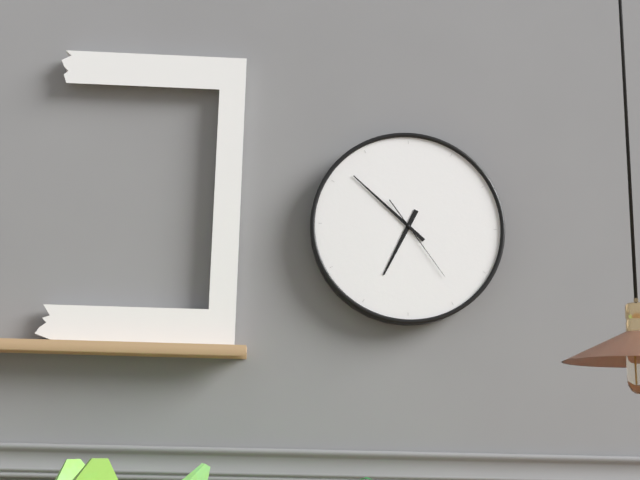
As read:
6:52:24
